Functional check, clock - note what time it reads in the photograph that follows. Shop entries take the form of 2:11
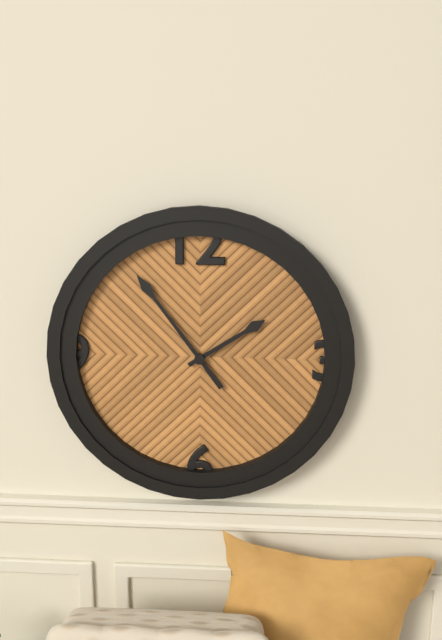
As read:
1:54
